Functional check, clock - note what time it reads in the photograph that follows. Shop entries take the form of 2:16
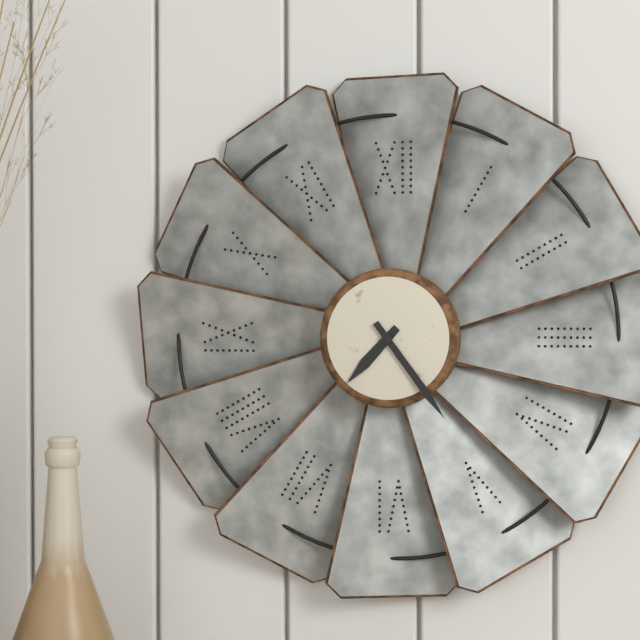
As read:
7:24
